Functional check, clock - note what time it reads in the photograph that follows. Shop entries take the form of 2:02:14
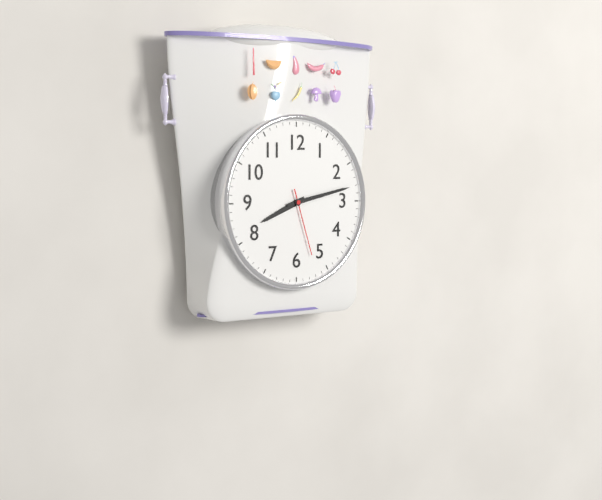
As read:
8:13:27
